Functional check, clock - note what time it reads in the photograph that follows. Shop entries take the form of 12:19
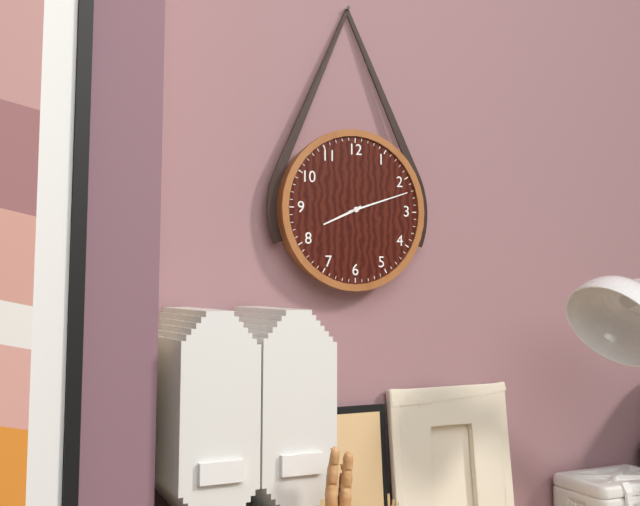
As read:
8:12
